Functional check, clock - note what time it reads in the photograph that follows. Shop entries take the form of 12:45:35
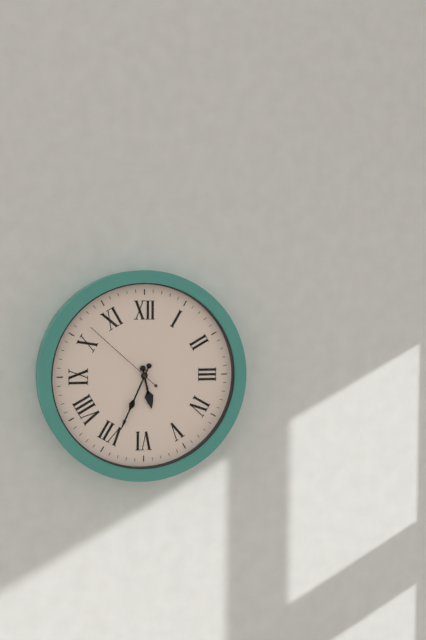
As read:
5:34:52
